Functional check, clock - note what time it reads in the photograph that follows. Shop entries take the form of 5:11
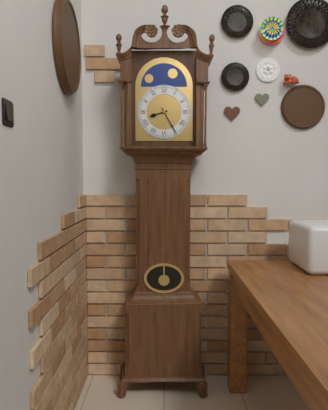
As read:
8:25
